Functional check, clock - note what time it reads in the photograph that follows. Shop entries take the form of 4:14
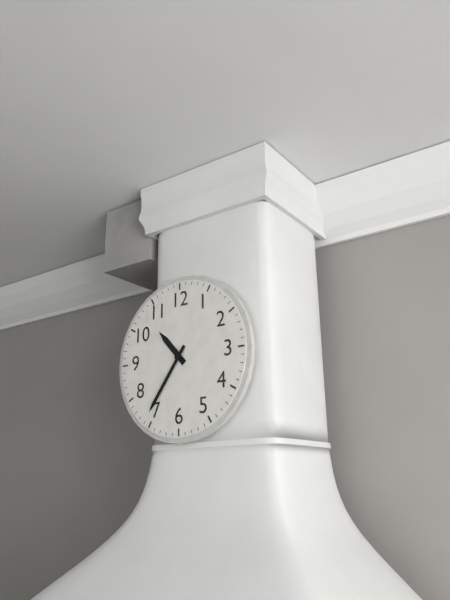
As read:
10:36
